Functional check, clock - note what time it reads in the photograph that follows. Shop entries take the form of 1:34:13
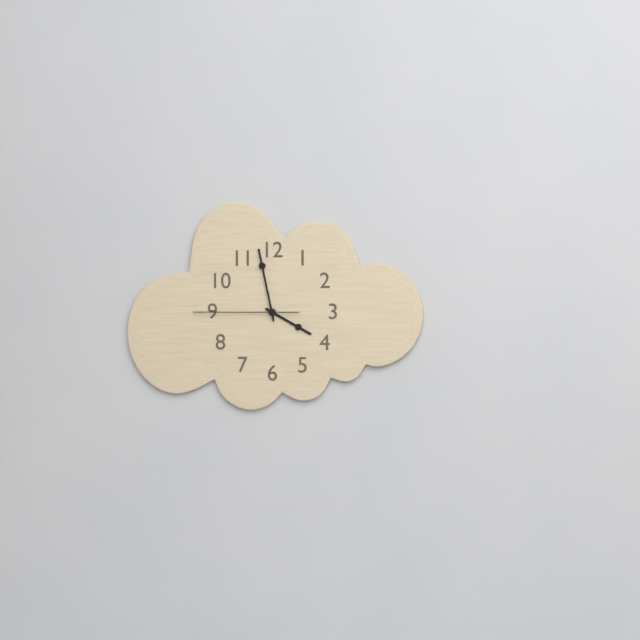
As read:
3:58:45
